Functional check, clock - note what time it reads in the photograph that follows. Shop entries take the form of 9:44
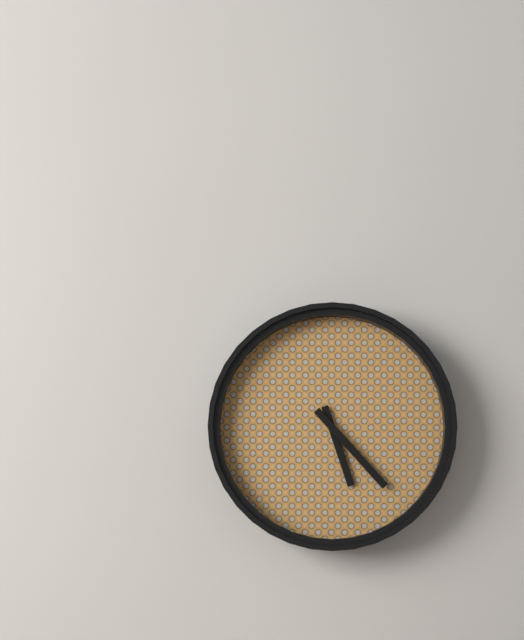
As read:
5:23
